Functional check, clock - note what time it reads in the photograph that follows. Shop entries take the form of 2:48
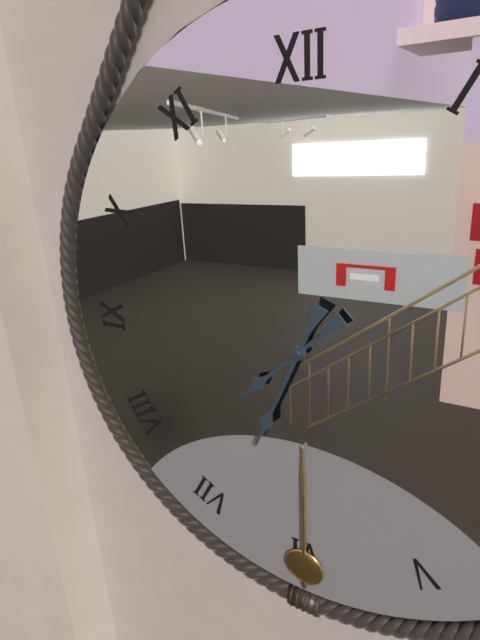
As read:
7:34
